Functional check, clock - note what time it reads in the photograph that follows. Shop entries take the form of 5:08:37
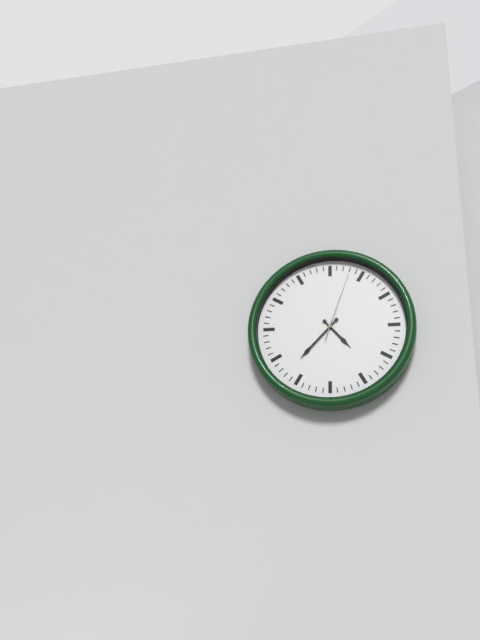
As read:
4:37:03
